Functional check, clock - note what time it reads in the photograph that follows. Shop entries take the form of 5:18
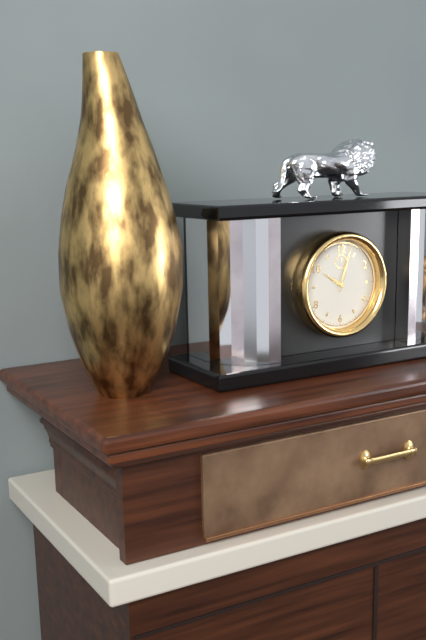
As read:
10:03
